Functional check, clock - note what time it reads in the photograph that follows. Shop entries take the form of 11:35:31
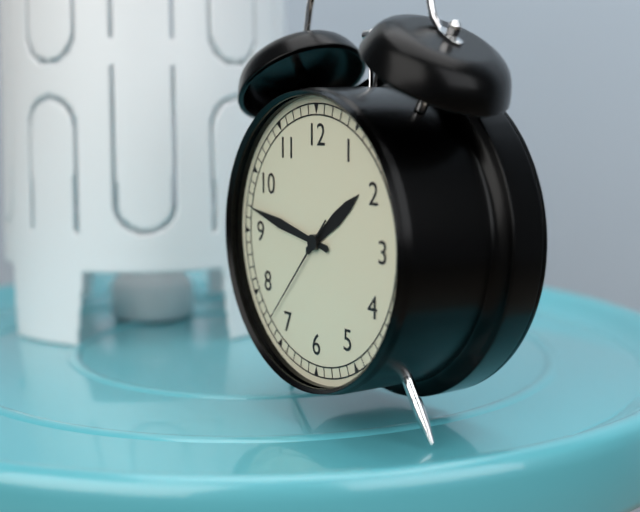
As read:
1:47:37
